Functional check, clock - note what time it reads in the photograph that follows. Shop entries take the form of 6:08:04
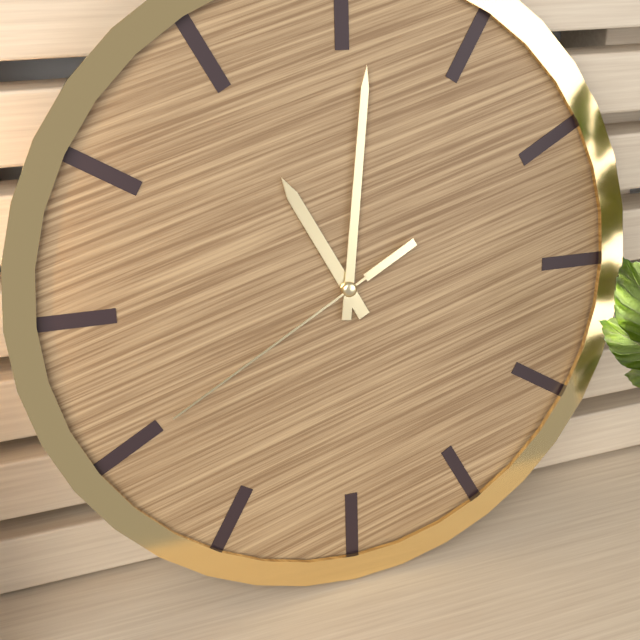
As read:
11:01:40
